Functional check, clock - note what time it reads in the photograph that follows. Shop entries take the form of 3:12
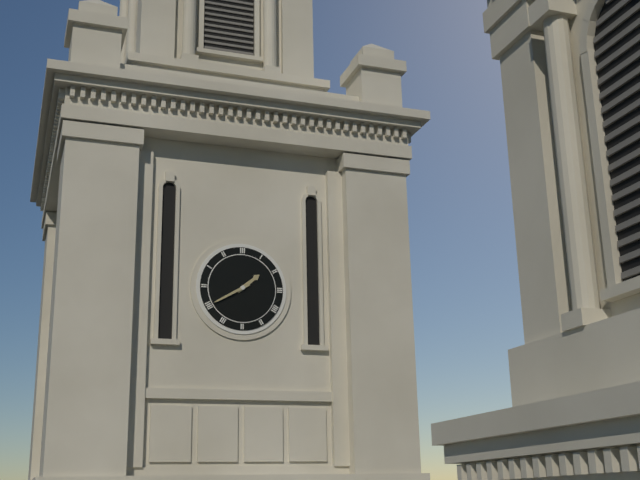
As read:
1:40
